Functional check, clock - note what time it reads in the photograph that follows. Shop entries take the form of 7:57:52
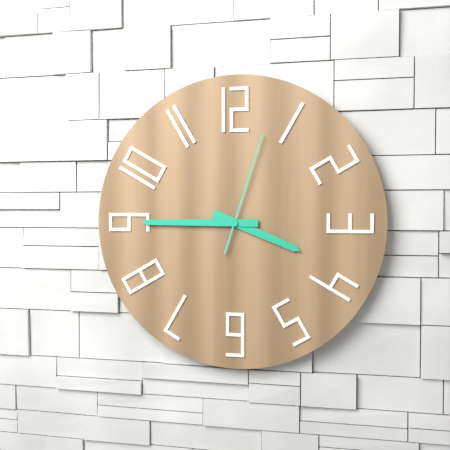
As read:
3:45:03
